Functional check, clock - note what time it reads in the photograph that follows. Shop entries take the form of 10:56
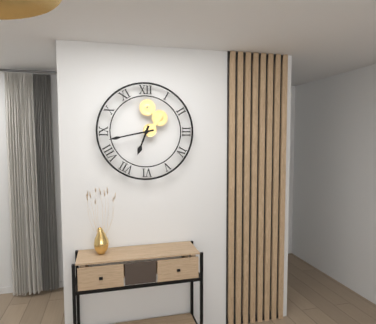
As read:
6:43
